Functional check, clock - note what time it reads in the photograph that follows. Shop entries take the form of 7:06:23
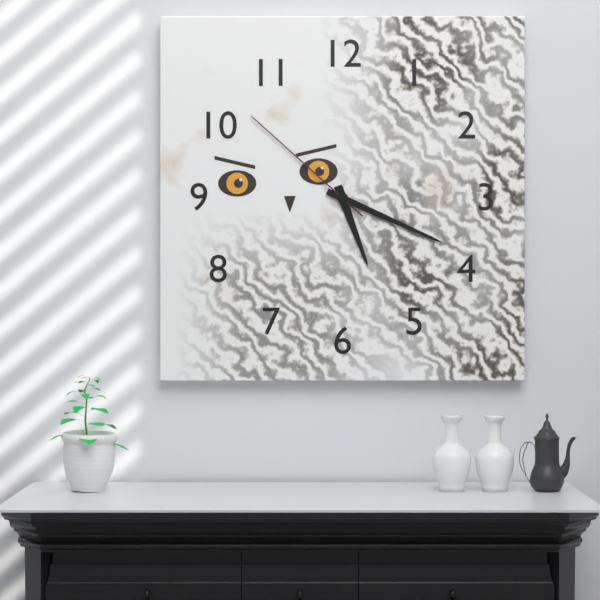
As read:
5:19:52
